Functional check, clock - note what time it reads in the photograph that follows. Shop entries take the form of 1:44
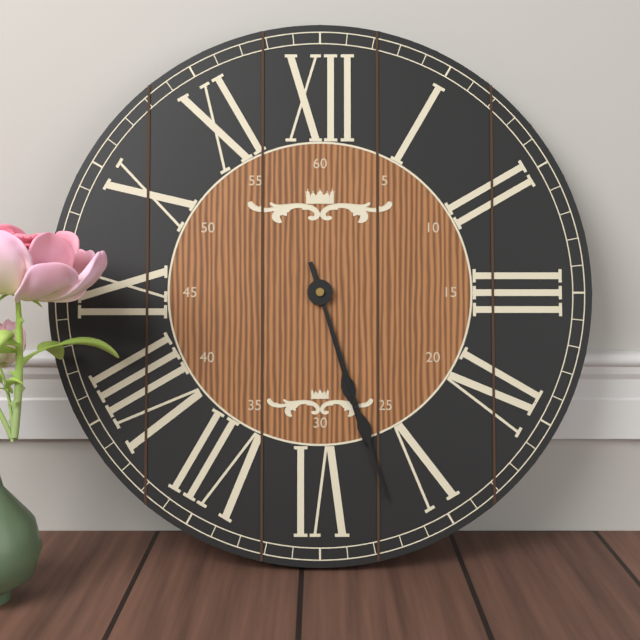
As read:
5:27
